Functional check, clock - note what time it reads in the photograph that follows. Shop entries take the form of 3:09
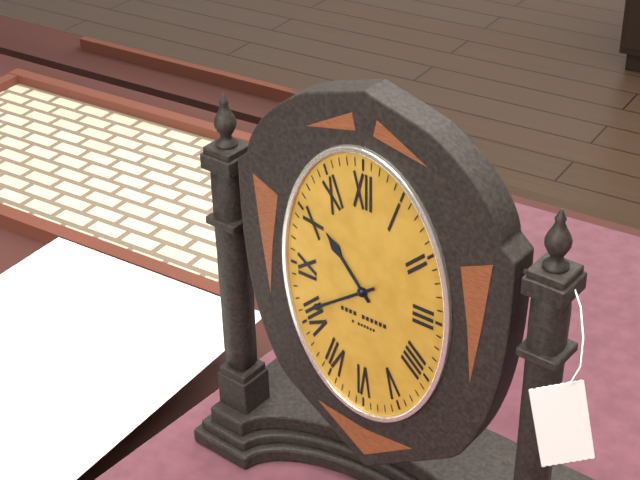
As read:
10:39
